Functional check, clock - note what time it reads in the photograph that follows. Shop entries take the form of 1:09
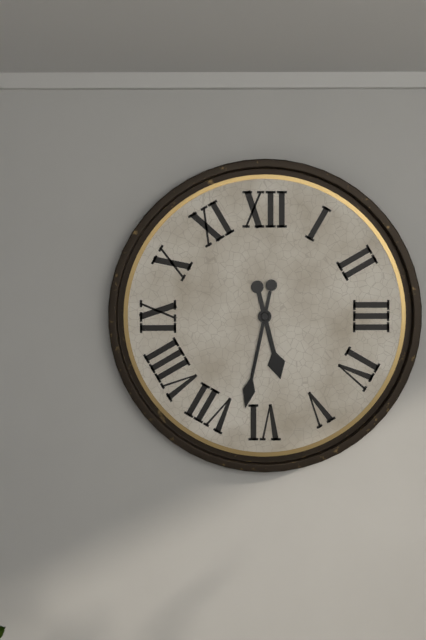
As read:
5:32
